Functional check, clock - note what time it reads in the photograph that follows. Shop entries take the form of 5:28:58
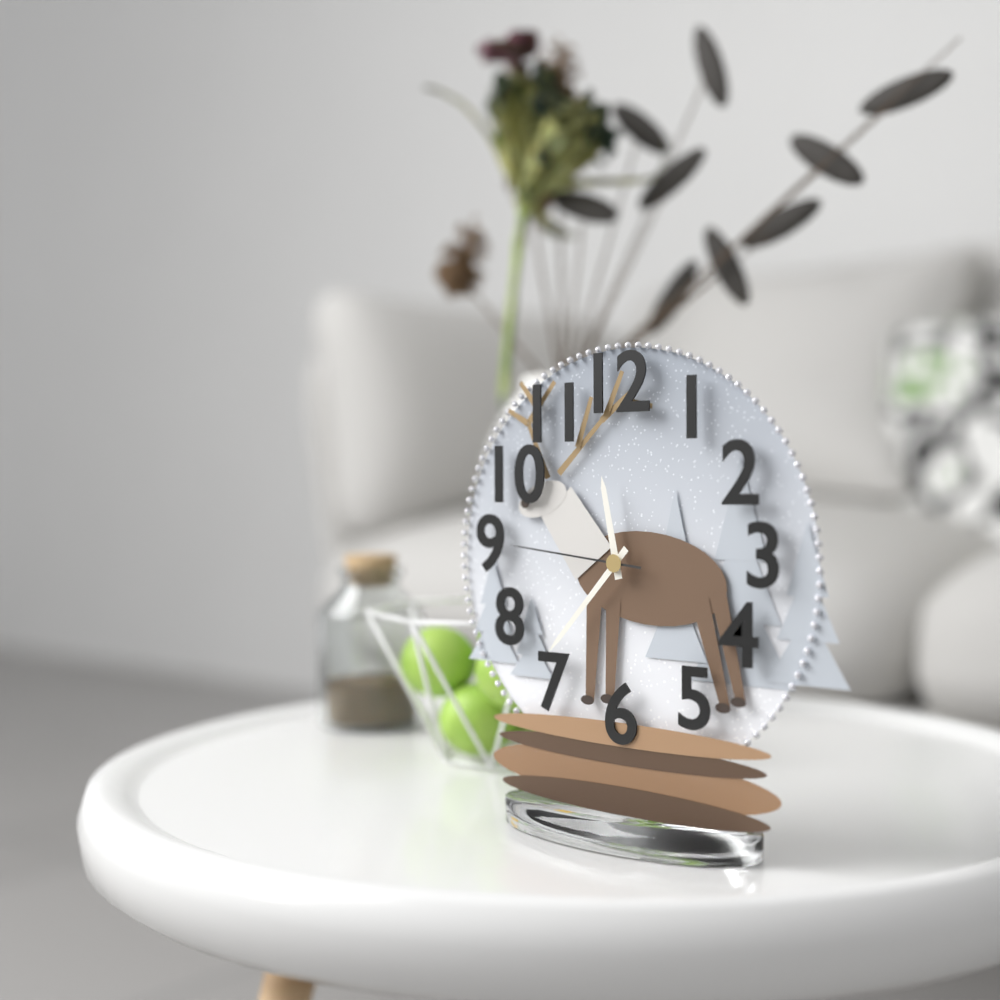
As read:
11:37:46
